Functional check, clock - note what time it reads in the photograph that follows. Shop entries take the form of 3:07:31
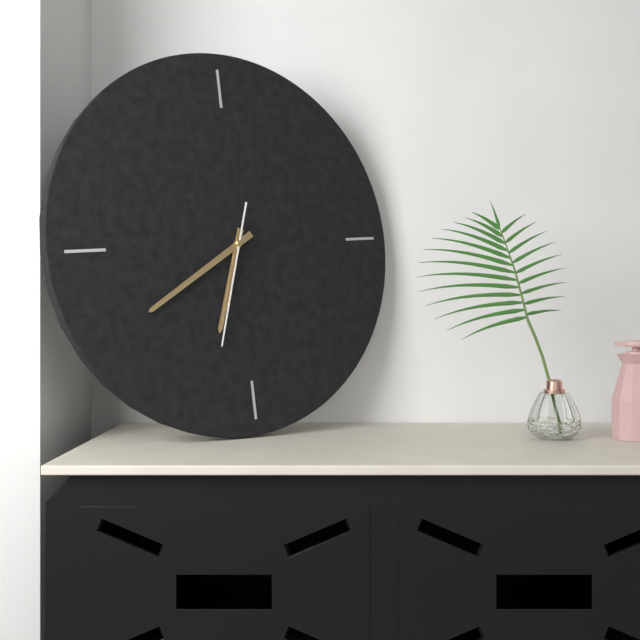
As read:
6:40:33
